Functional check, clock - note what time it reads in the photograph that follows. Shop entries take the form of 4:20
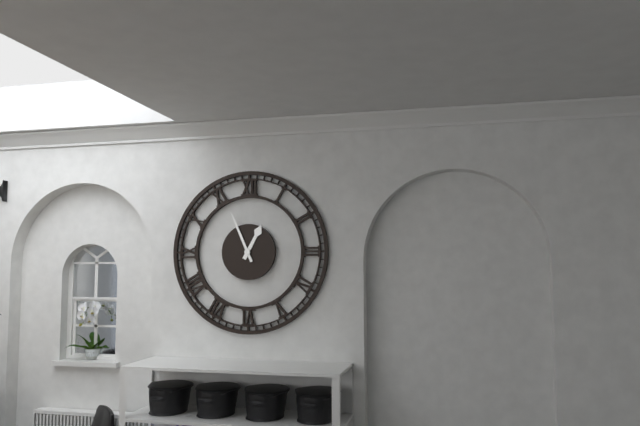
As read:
12:56
